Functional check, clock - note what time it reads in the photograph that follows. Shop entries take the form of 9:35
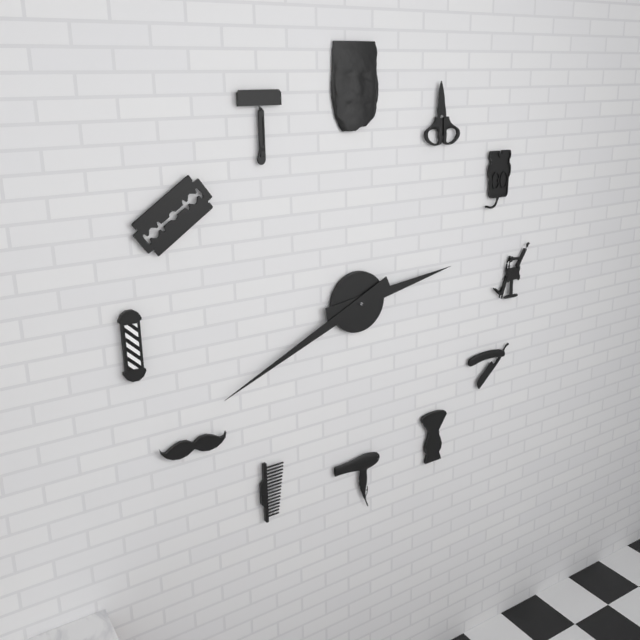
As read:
2:41
